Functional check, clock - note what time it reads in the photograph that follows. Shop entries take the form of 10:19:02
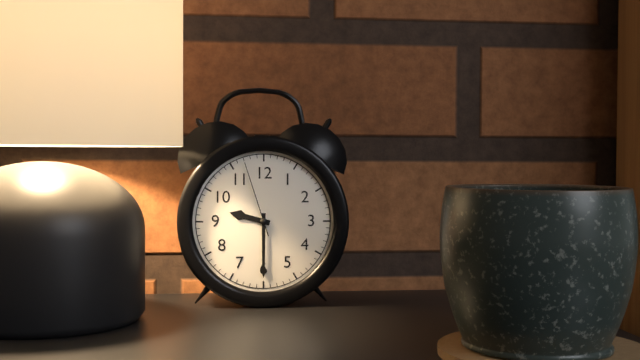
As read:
9:30:57
